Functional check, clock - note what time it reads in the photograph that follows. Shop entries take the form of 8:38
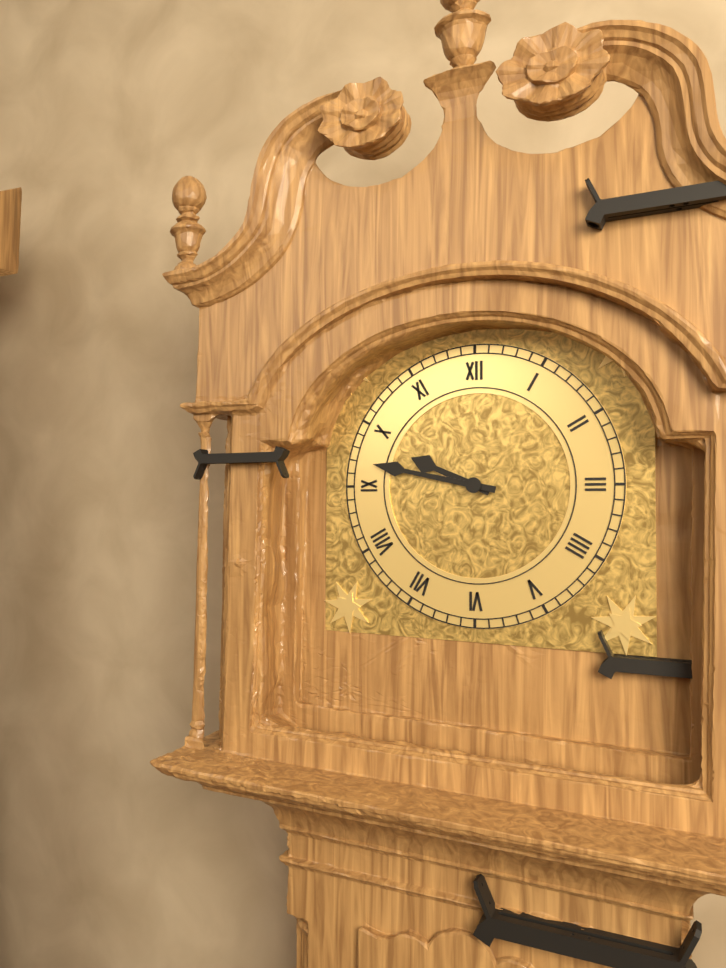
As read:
9:47
